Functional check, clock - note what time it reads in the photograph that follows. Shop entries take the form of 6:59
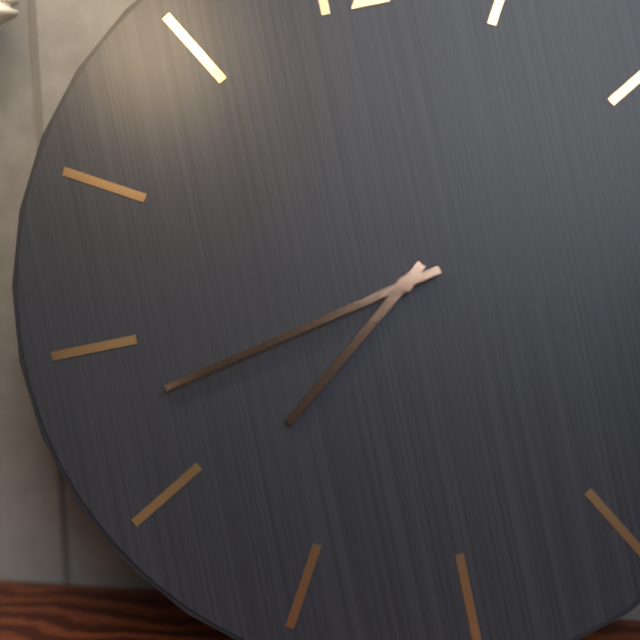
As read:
7:43
